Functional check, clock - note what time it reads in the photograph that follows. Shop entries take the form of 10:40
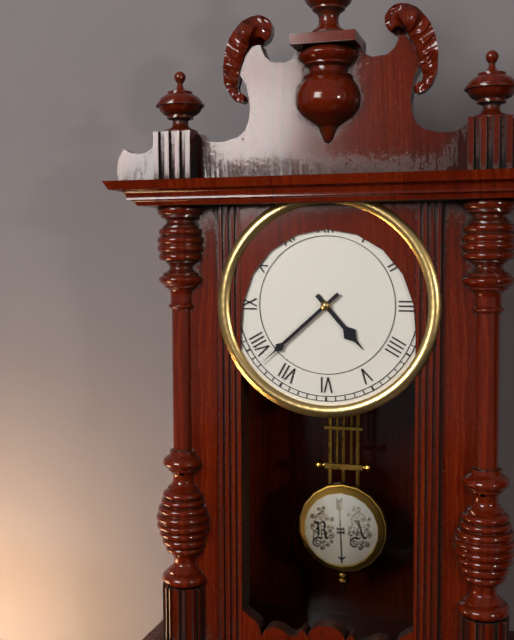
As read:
4:38
